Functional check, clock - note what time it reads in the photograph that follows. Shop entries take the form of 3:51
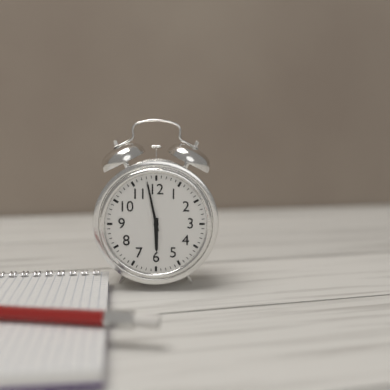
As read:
5:58
